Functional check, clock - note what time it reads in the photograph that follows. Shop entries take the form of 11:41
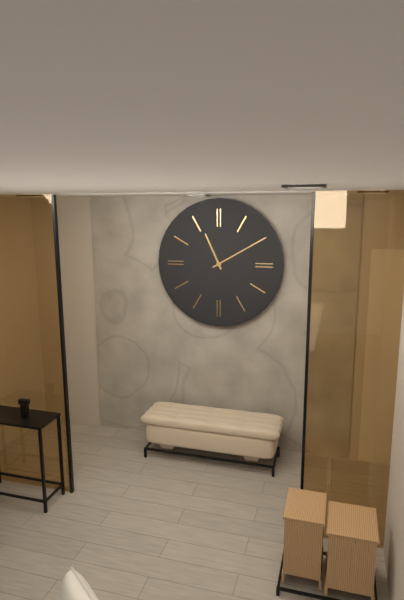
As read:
11:10
